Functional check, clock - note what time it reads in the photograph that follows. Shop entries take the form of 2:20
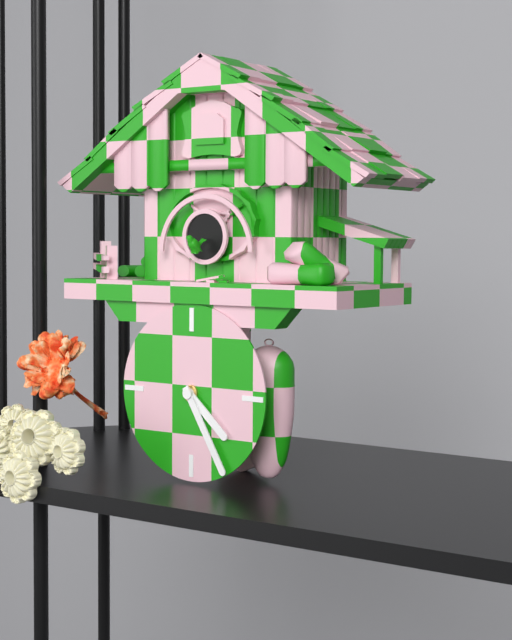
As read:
4:25
